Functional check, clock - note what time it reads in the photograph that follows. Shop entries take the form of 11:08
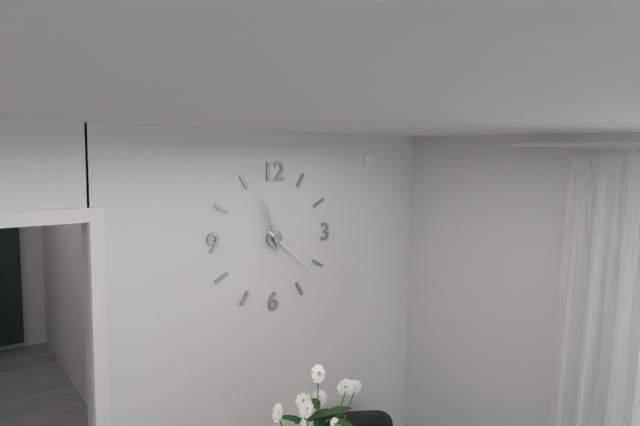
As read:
11:22
